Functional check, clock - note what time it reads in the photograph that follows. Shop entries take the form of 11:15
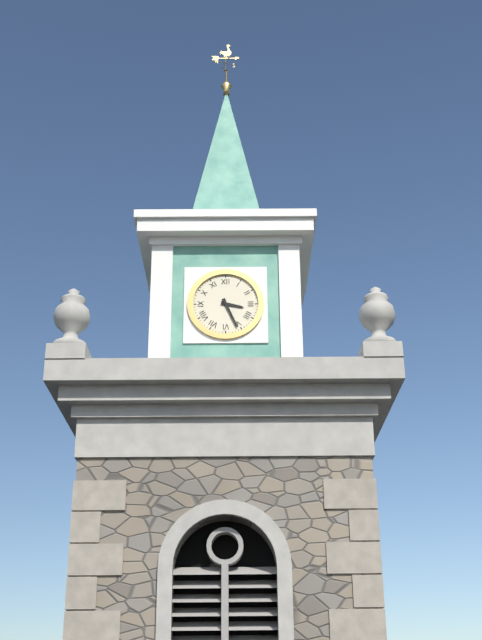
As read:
3:26
